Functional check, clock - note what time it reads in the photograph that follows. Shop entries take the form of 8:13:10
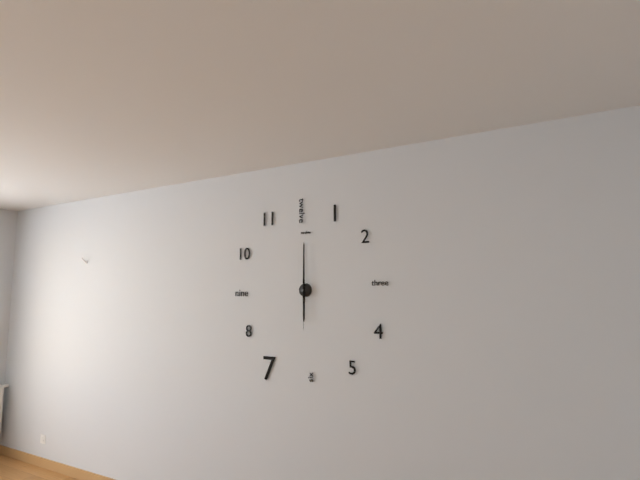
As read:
6:00:30
